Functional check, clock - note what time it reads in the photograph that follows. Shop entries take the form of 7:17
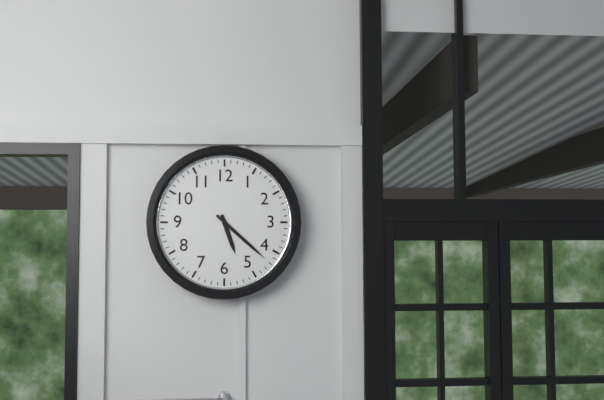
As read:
5:22
